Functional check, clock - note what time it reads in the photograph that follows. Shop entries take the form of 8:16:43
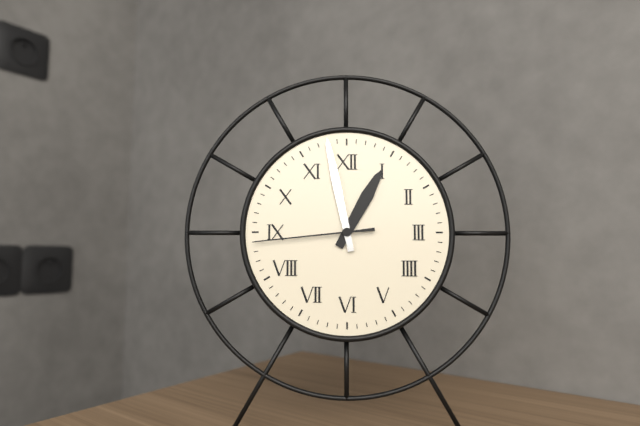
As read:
12:58:44
